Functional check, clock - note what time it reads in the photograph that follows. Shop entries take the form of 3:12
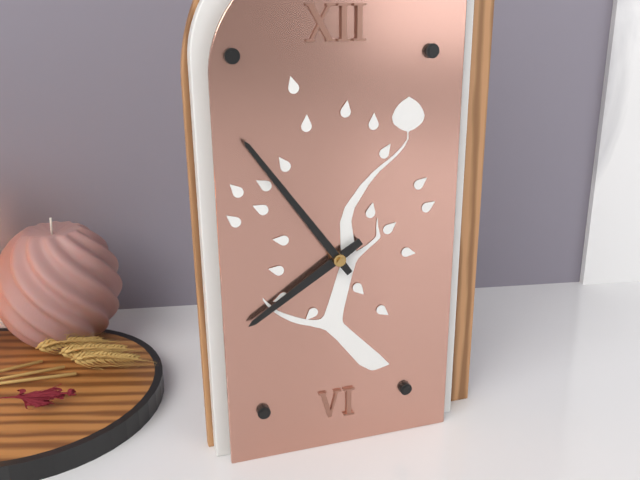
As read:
7:54
